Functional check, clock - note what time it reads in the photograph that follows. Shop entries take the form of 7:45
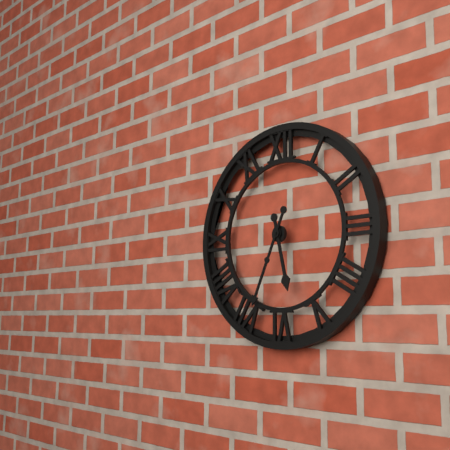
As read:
5:34
